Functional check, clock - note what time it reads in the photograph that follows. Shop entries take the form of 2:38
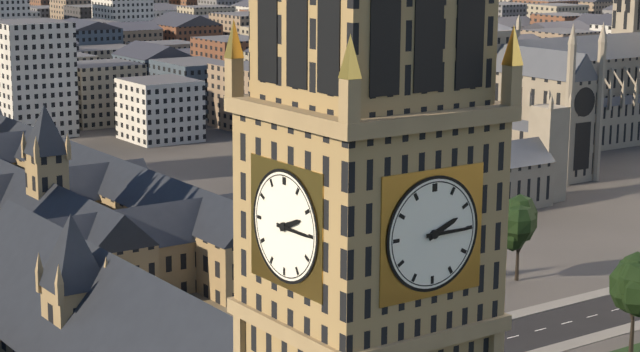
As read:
2:15
